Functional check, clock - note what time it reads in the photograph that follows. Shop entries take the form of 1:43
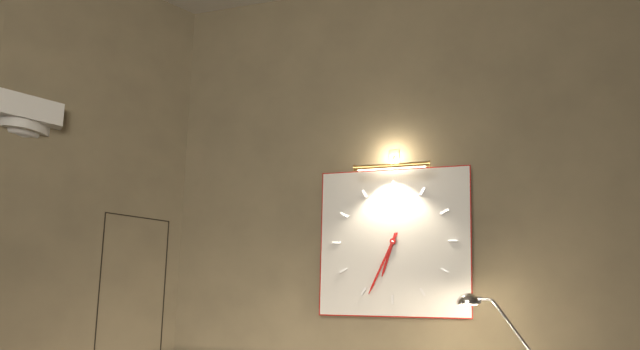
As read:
6:34
